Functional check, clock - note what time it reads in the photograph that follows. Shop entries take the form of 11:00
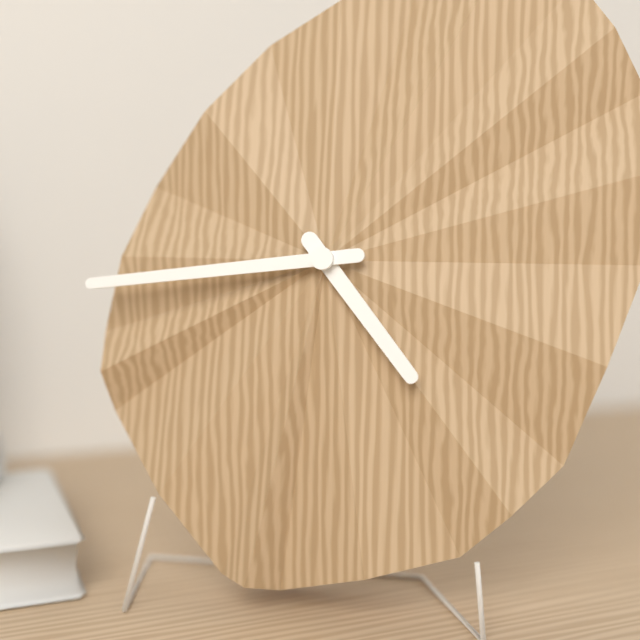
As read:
4:44
